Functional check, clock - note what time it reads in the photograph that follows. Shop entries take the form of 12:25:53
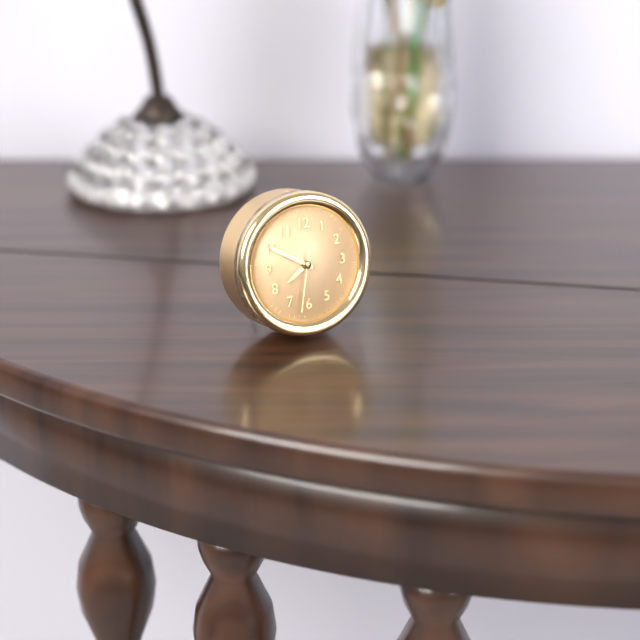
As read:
7:50:32
